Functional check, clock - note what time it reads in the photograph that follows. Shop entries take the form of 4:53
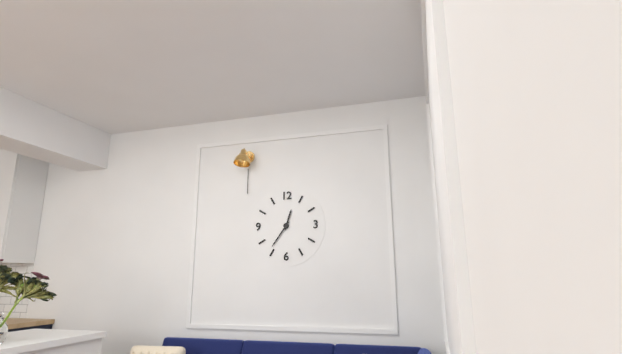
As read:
12:36
